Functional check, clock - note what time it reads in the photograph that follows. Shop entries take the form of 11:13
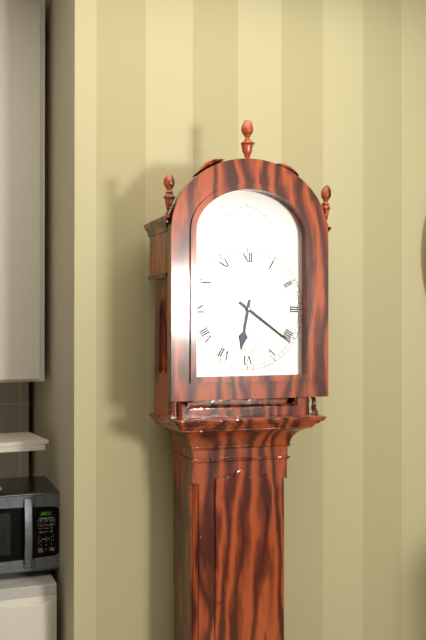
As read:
6:21
